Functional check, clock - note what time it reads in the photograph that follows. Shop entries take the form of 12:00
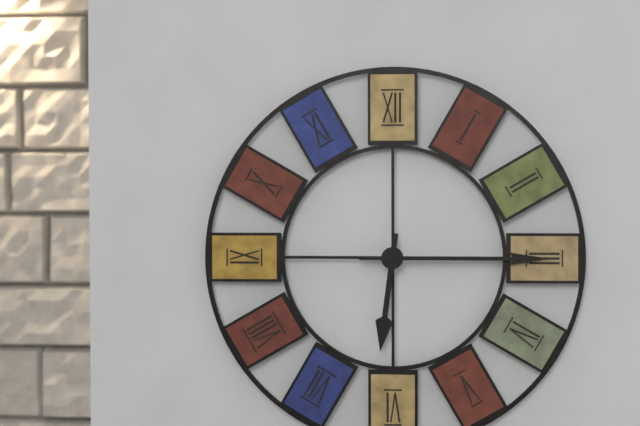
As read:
6:15
